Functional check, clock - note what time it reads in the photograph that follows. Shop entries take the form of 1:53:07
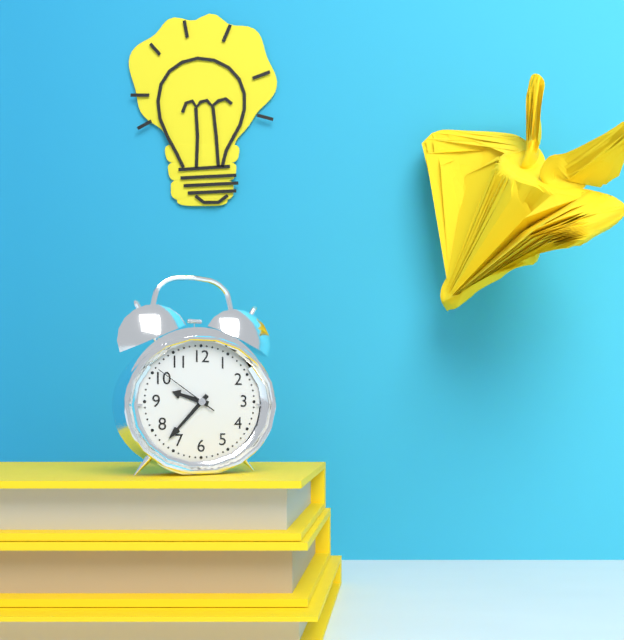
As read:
9:37:51
